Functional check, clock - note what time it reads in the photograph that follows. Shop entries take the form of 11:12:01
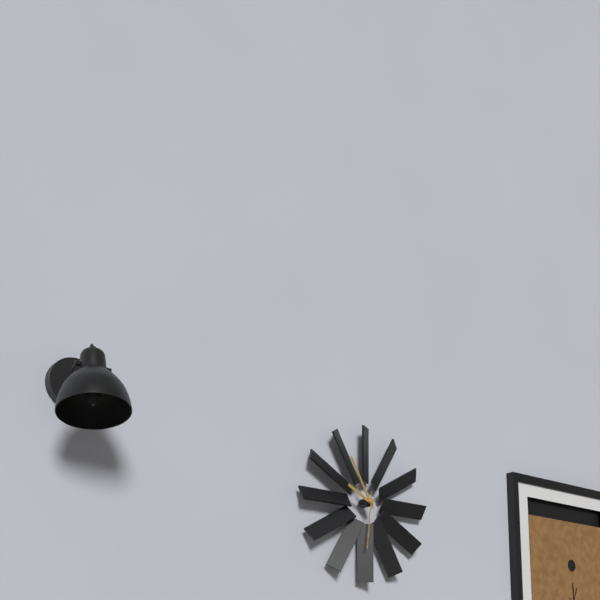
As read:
9:55:31
